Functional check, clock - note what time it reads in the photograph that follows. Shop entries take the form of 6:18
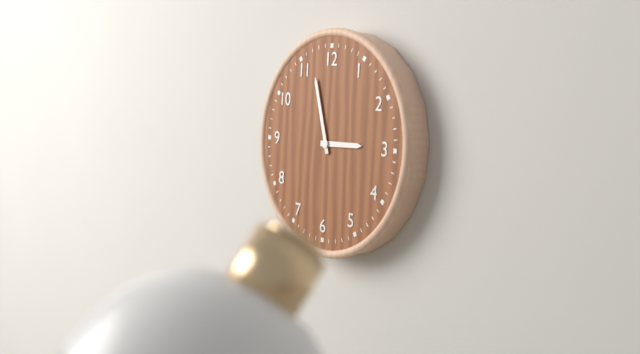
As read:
2:57
